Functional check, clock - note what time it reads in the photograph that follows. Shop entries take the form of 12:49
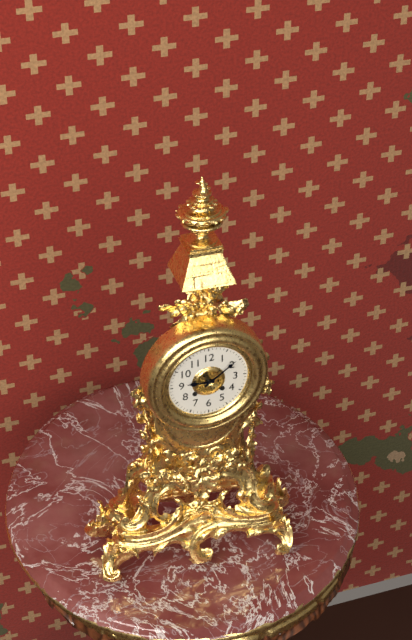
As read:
9:09
